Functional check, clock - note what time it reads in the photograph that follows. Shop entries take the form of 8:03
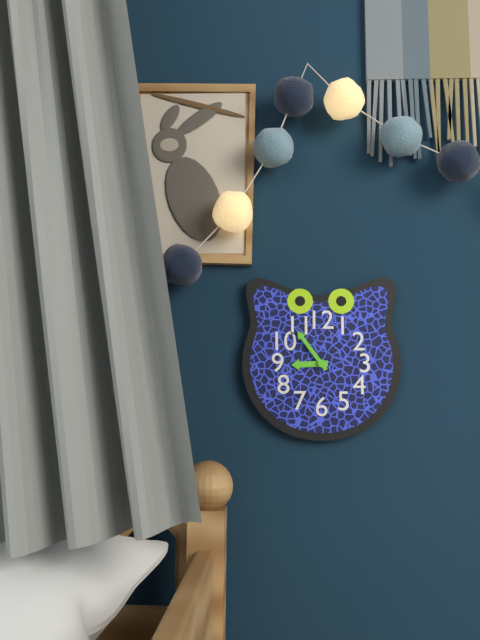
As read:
8:54
